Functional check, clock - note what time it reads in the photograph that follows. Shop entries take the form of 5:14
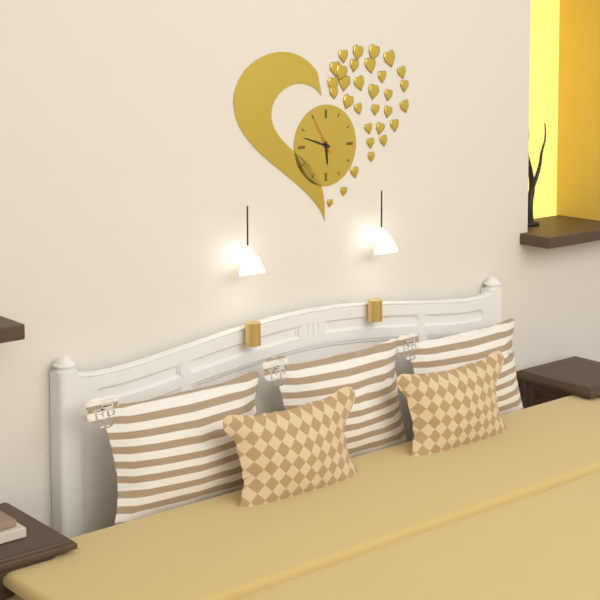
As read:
5:48
